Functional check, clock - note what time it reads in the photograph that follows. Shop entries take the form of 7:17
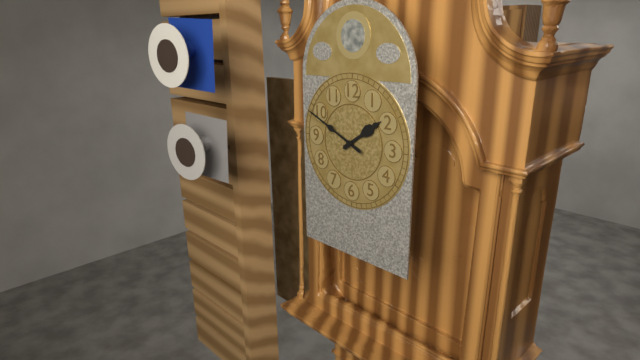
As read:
1:49
